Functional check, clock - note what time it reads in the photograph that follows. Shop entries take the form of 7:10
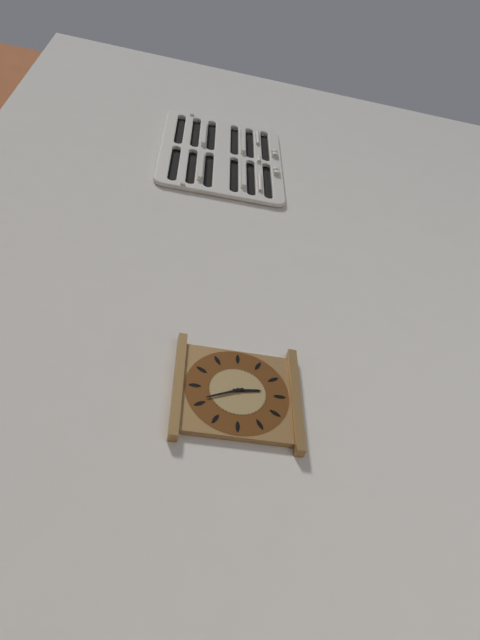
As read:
2:41
